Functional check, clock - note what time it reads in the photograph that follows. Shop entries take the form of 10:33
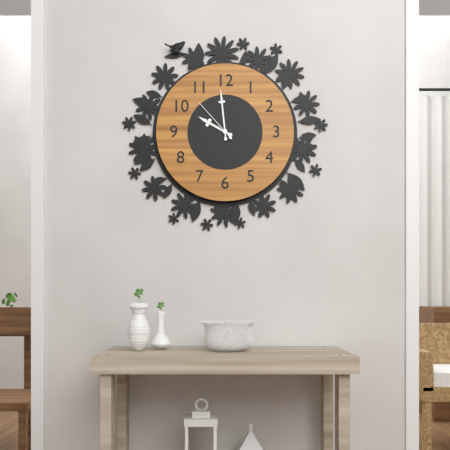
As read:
9:59
